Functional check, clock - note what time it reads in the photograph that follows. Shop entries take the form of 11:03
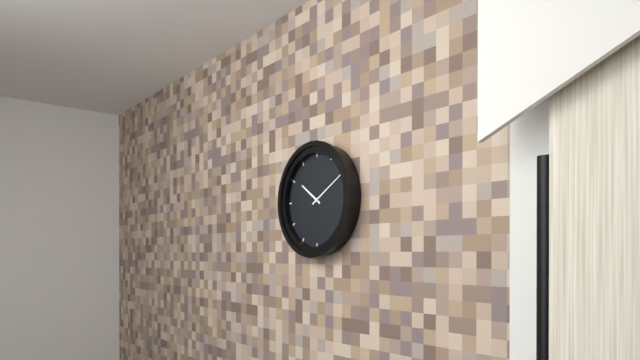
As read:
10:10
